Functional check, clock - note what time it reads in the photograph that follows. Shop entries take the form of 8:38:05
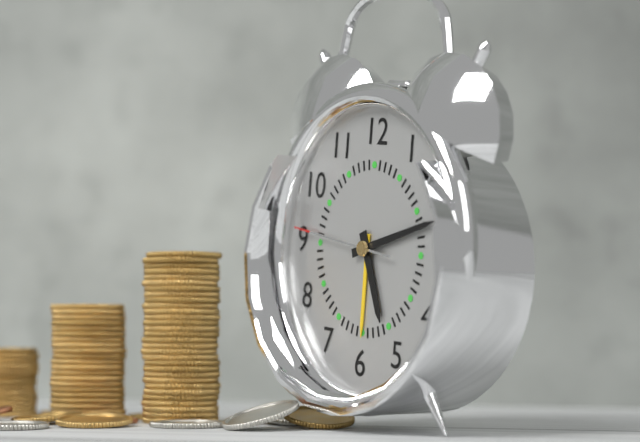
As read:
5:12:46
